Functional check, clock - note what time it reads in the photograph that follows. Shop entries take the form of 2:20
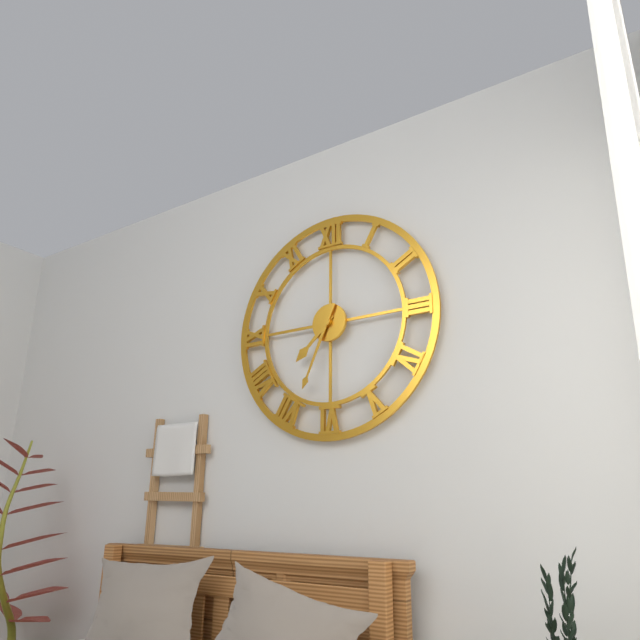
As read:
7:34
